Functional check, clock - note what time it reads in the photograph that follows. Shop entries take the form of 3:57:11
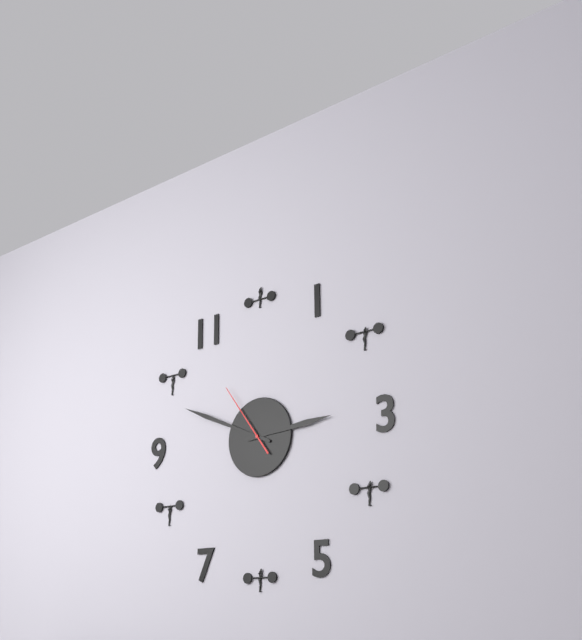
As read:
2:49:54
